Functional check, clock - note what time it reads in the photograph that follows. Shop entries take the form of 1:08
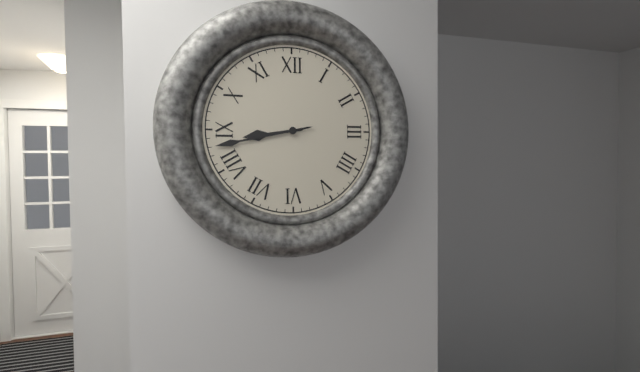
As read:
8:43
